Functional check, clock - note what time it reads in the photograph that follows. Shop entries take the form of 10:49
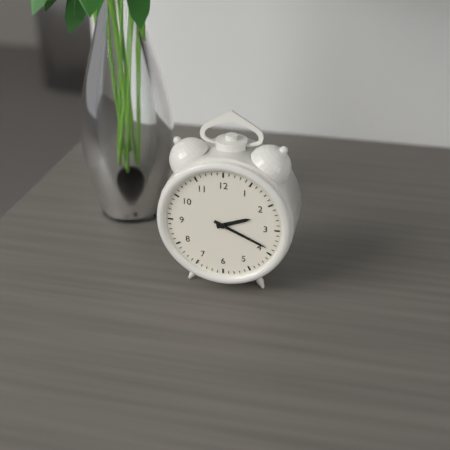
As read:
2:19
